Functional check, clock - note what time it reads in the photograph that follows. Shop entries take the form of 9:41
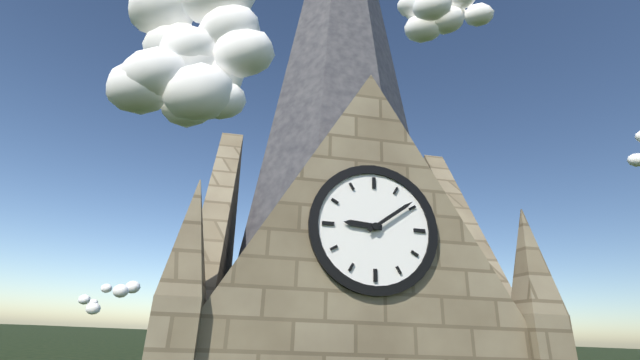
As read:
9:09
